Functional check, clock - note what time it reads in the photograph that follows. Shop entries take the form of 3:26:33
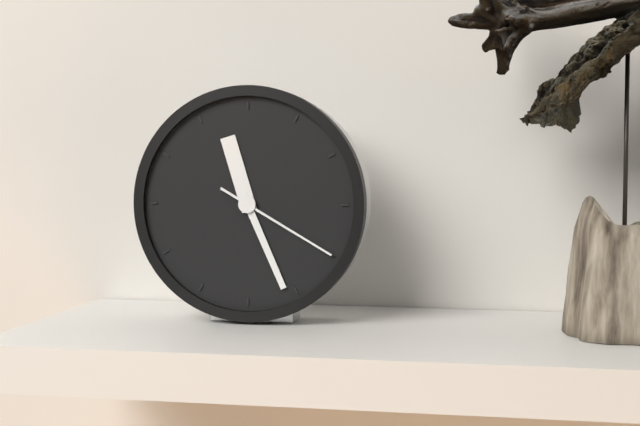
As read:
11:26:20
